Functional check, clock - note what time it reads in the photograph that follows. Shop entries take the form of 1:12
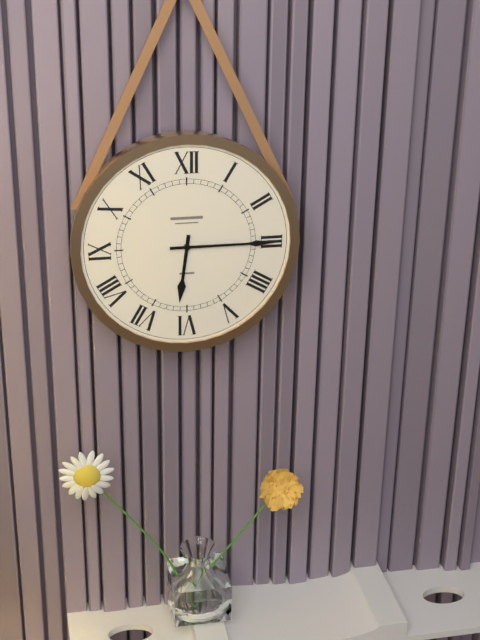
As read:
6:15
